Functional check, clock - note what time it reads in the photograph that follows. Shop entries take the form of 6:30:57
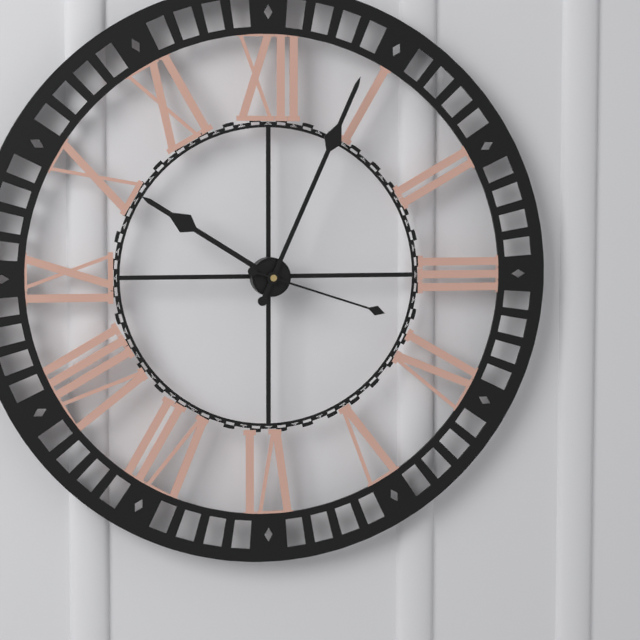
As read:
10:04:18
